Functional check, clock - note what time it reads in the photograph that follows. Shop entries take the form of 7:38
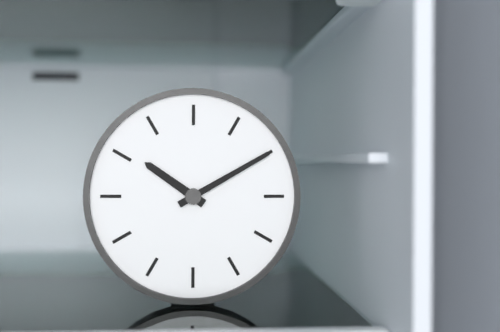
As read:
10:10
